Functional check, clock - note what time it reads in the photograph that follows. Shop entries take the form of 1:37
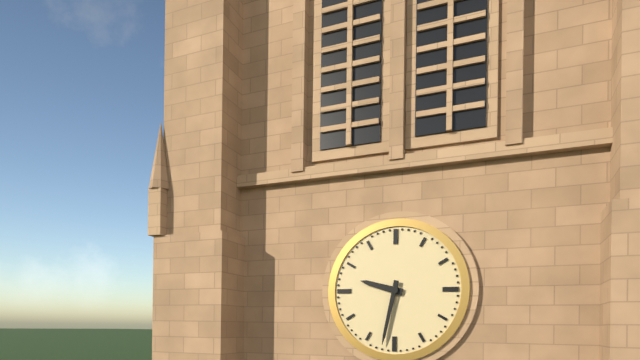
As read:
9:32
